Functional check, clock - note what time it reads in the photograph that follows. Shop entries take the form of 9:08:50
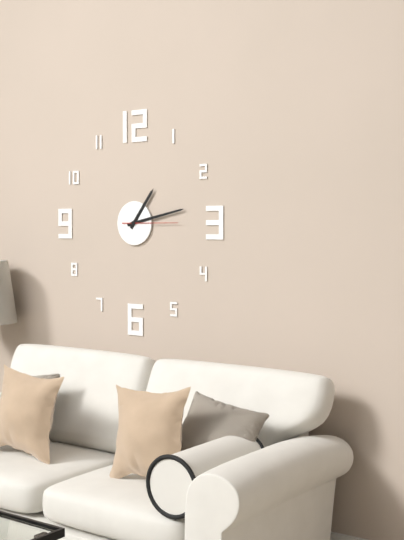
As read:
1:13:15
